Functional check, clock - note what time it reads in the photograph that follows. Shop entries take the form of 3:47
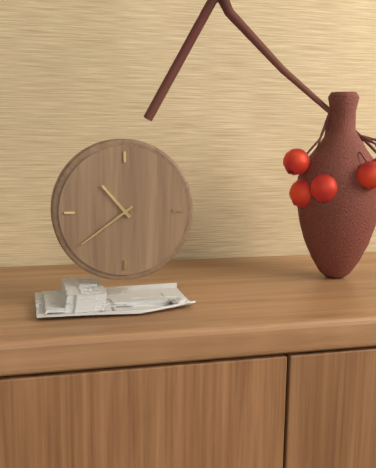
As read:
10:39
